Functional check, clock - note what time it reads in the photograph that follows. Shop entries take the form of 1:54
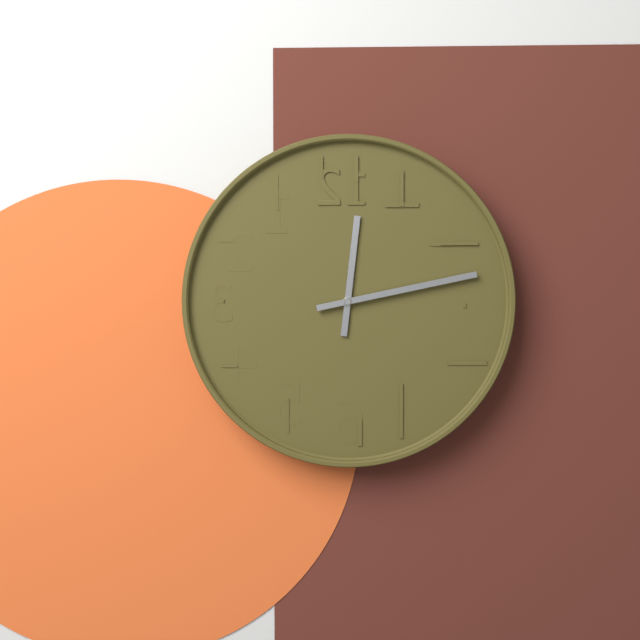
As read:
12:13
